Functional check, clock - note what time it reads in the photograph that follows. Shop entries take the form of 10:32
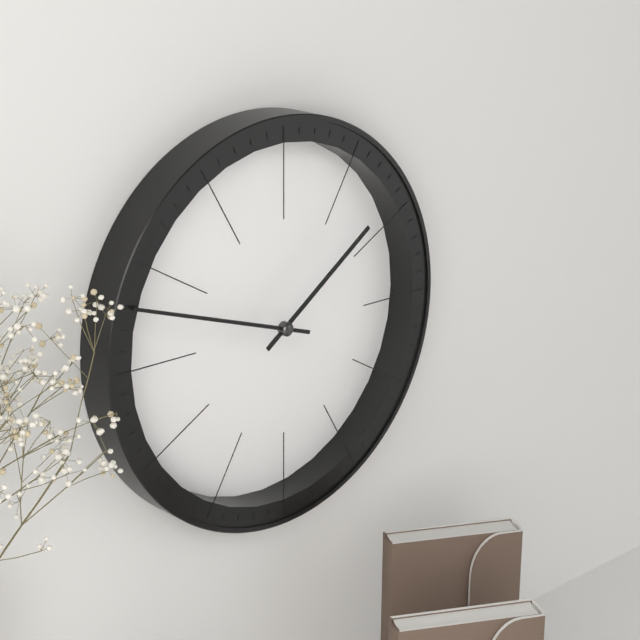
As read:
1:48
